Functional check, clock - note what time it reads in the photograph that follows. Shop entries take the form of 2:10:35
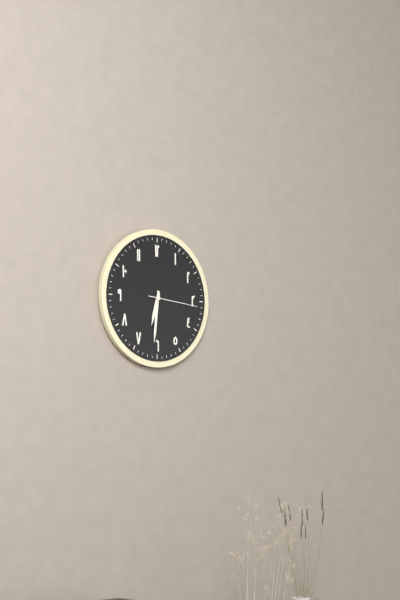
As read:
6:31:16
